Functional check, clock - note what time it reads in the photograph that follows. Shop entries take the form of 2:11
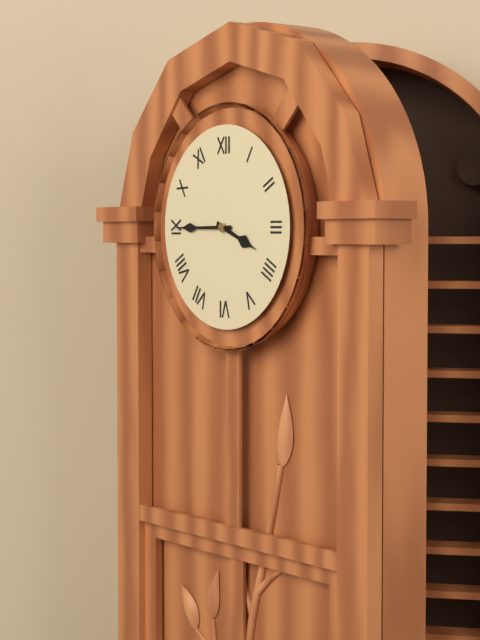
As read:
3:45
